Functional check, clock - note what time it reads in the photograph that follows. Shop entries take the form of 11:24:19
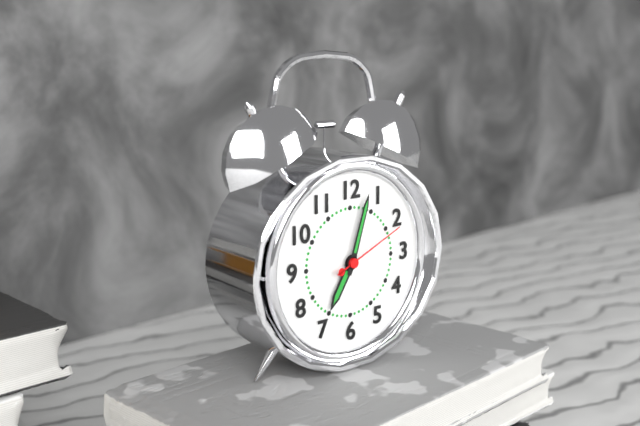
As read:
7:03:11
